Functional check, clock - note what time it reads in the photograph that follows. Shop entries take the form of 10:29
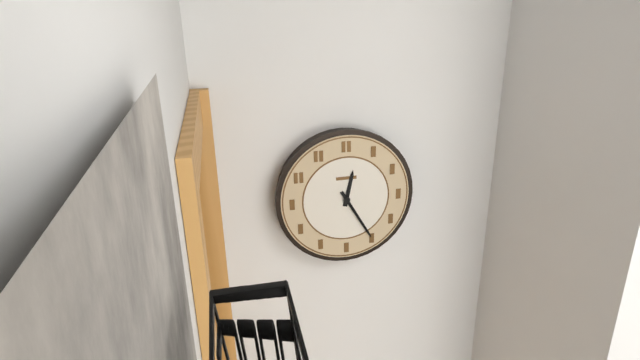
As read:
12:25
